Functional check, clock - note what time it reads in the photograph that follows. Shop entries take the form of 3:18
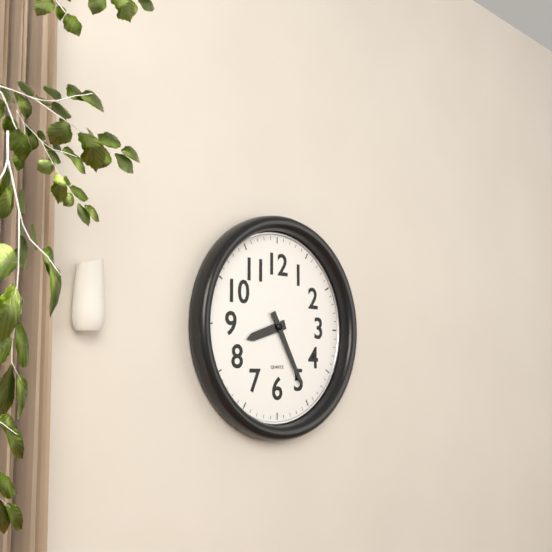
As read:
8:25
